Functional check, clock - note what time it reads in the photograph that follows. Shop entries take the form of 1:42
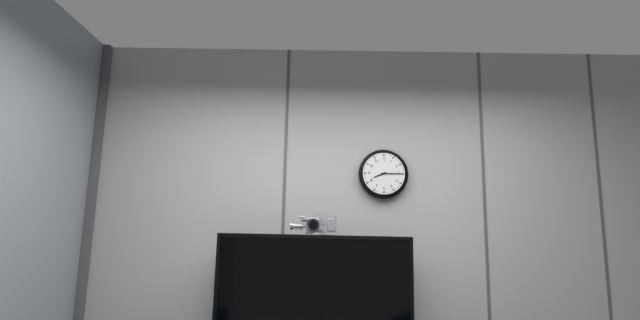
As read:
8:15
